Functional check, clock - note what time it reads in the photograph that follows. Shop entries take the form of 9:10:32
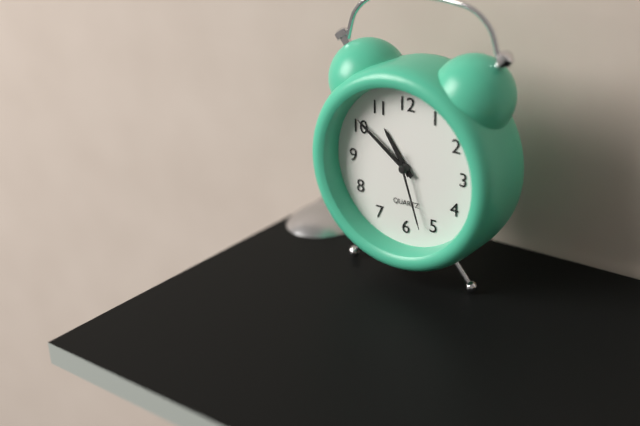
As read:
10:51:27
